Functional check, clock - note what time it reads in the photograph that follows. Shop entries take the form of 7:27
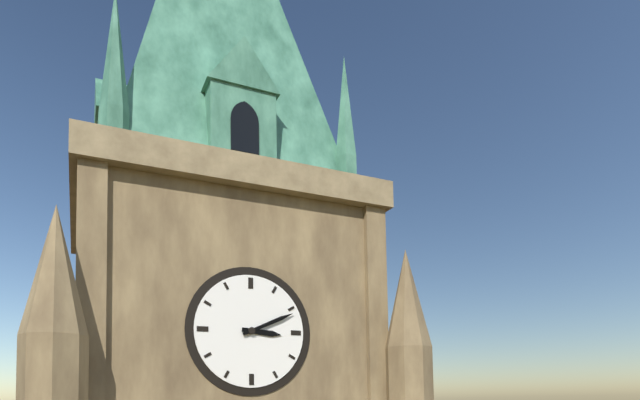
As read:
3:11
